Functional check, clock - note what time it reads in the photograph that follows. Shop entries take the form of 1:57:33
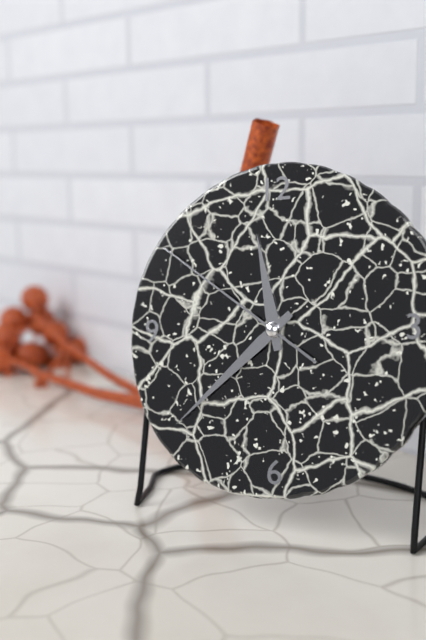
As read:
11:38:51
